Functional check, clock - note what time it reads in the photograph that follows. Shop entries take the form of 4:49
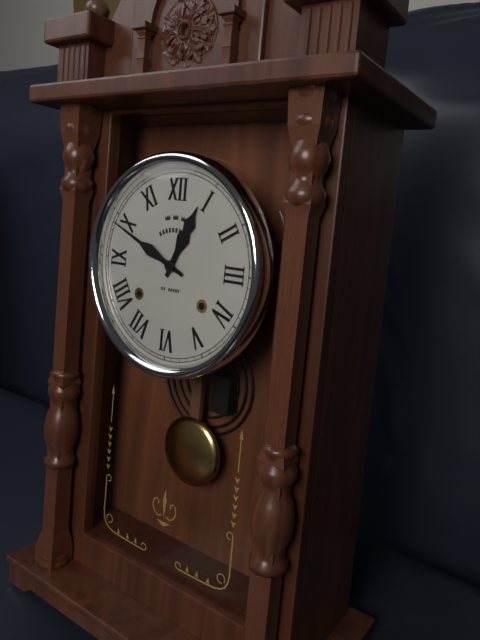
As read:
12:49
